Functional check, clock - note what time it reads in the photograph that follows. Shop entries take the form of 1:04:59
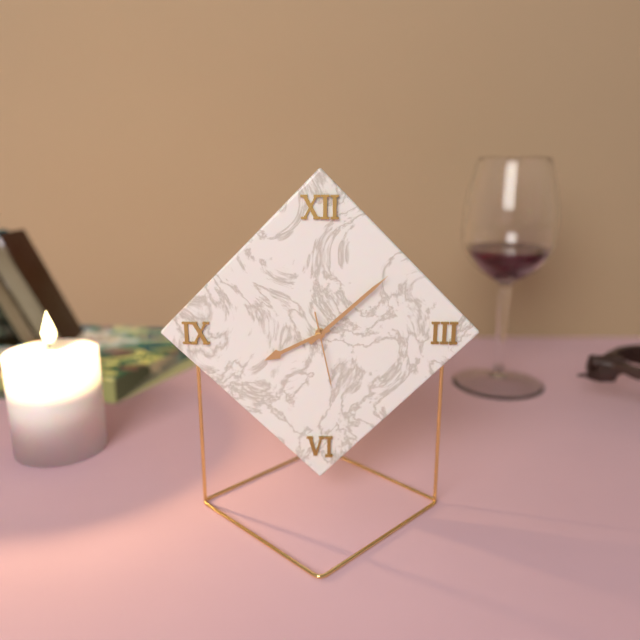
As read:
8:08:28
